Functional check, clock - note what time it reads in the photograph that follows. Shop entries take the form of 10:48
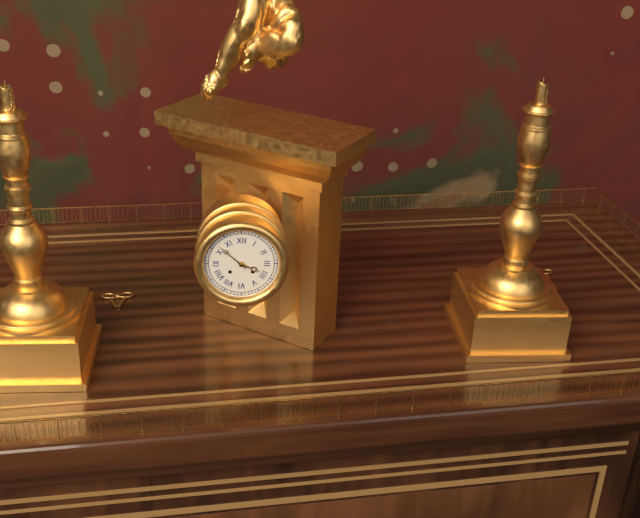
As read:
3:52
